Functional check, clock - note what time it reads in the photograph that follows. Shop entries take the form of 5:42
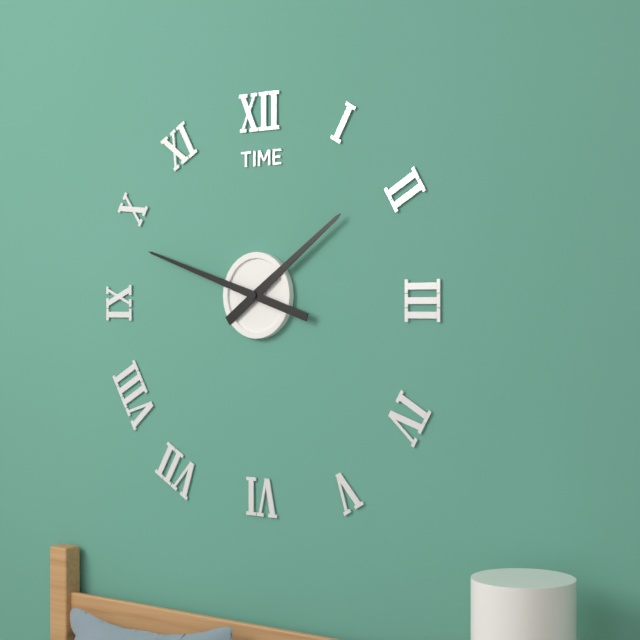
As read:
1:48
